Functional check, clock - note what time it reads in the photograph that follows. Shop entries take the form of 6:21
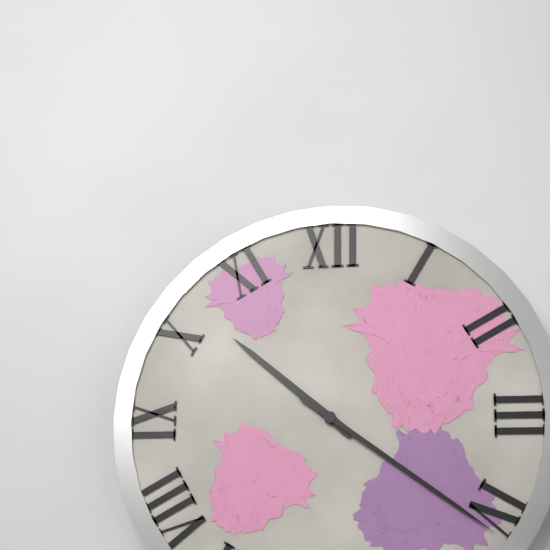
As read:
10:21
